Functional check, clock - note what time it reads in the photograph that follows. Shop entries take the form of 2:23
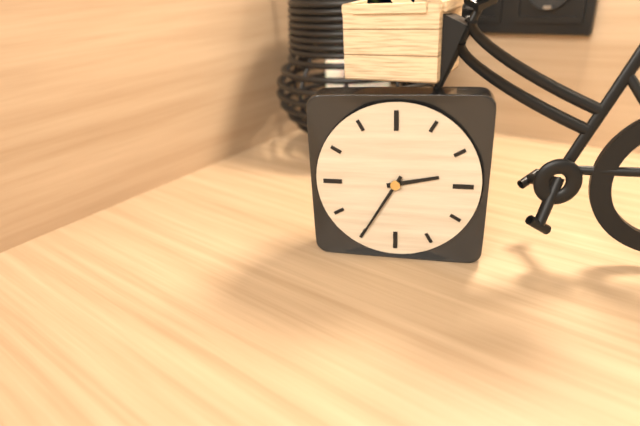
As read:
2:35
